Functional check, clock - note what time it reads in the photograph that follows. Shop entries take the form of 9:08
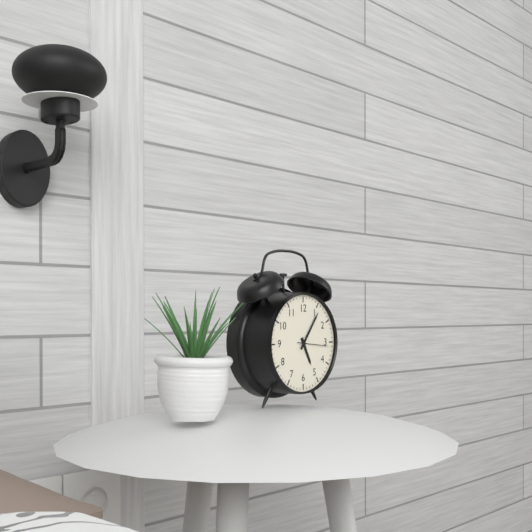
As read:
5:06
